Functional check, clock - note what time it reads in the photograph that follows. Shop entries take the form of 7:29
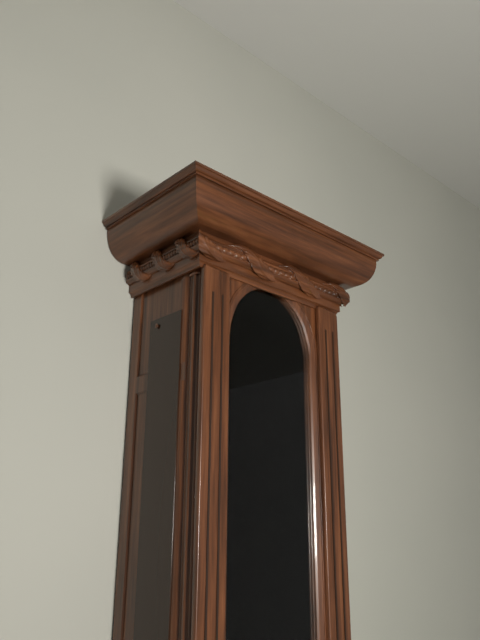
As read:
7:45
